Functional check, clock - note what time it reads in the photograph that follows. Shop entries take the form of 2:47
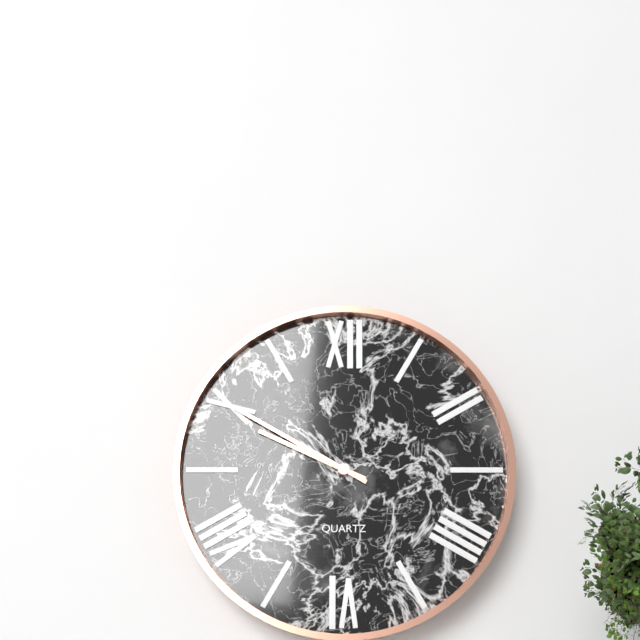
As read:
9:50
